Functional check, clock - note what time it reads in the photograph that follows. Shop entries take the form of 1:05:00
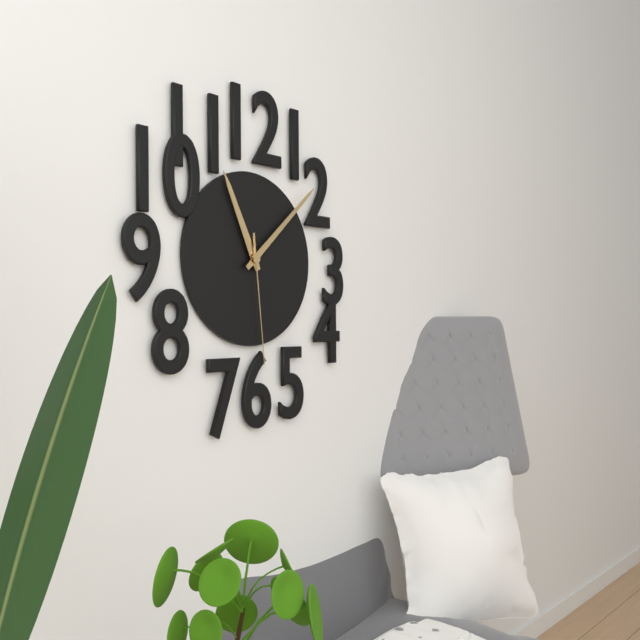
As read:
11:08:29
